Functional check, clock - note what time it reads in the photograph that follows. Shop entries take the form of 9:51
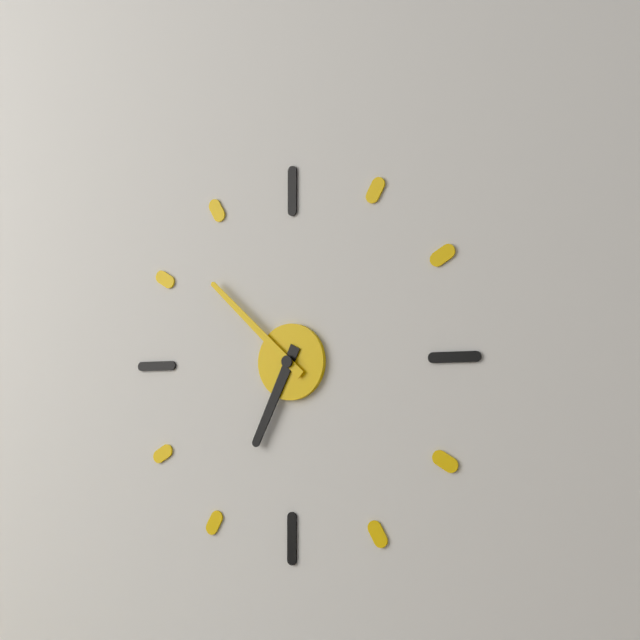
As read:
6:52
